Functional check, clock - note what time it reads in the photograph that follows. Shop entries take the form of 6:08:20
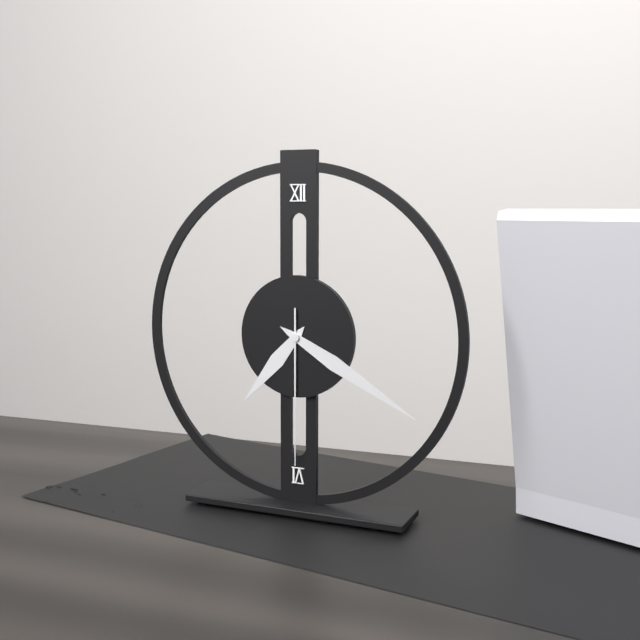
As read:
7:20:30
